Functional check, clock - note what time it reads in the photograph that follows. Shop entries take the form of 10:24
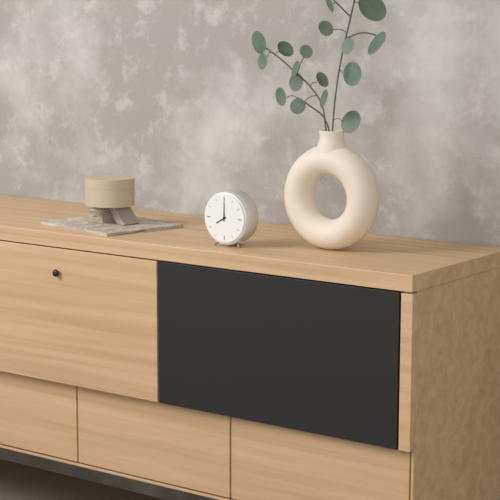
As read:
8:00
